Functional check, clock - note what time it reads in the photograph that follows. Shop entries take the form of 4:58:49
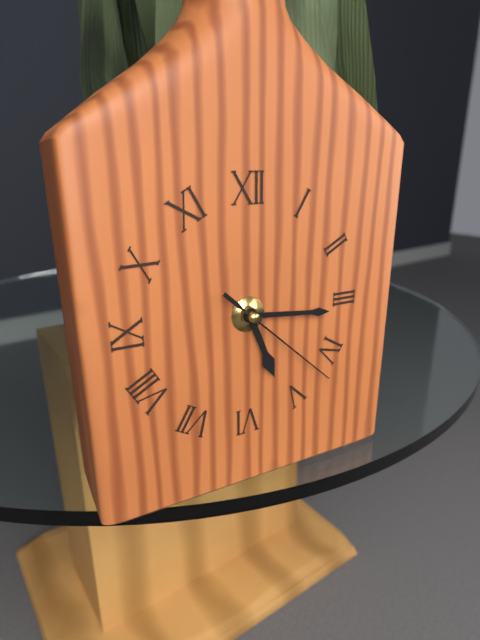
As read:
5:16:22
